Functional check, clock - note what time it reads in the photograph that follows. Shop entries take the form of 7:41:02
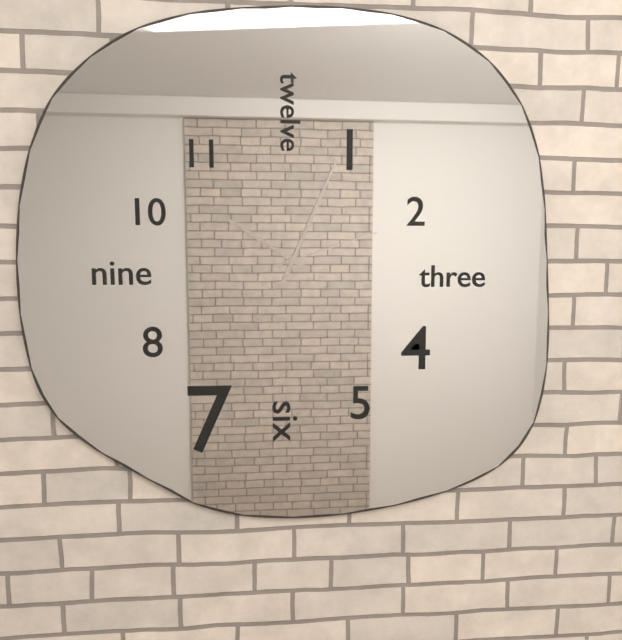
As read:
10:04:12
